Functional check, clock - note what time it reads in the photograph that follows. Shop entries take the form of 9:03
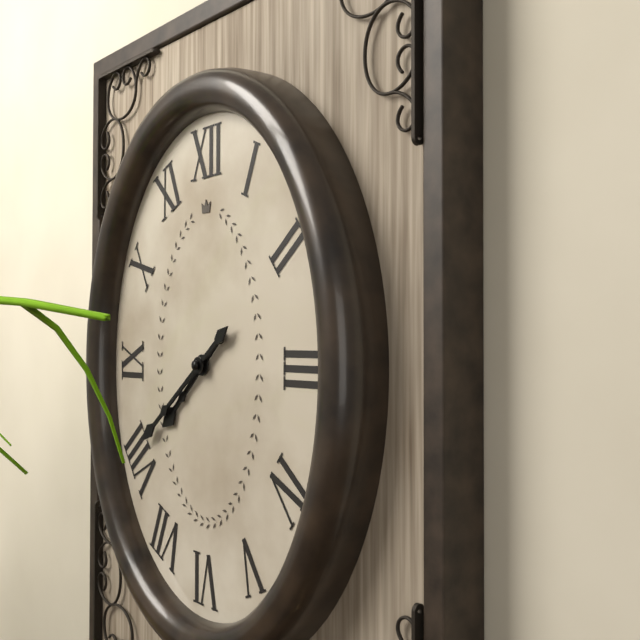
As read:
7:39
